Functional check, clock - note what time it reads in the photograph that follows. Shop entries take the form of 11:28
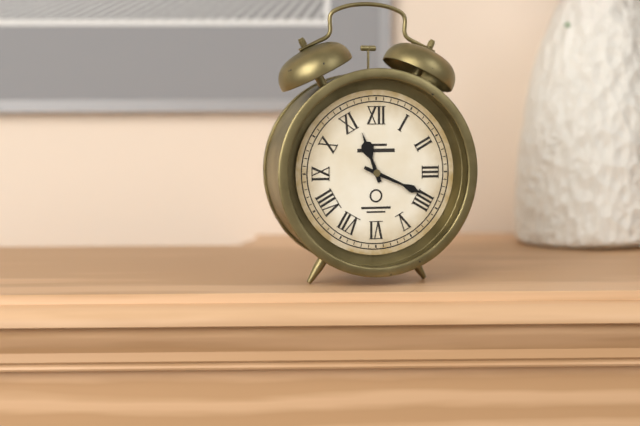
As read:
11:19
